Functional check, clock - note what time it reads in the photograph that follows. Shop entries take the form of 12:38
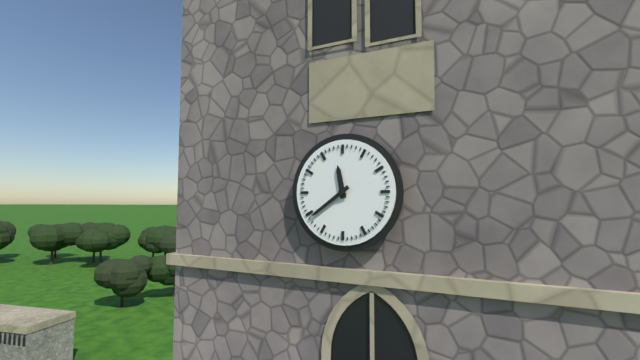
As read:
11:39
